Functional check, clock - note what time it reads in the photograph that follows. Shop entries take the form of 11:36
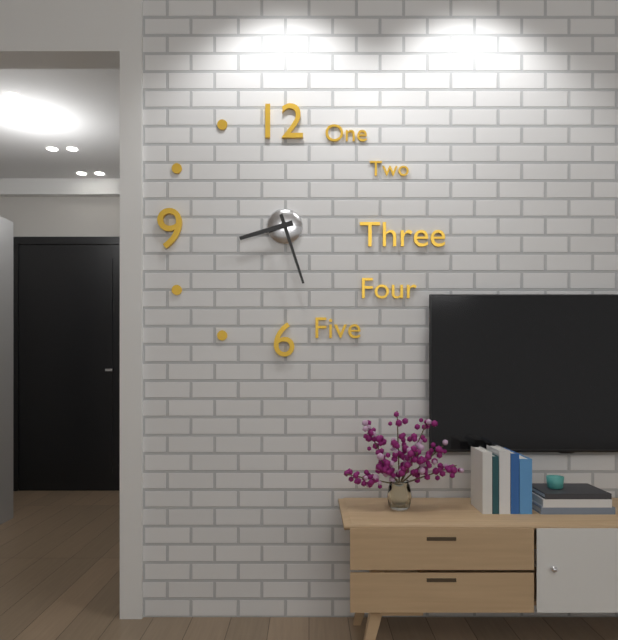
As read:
8:27
